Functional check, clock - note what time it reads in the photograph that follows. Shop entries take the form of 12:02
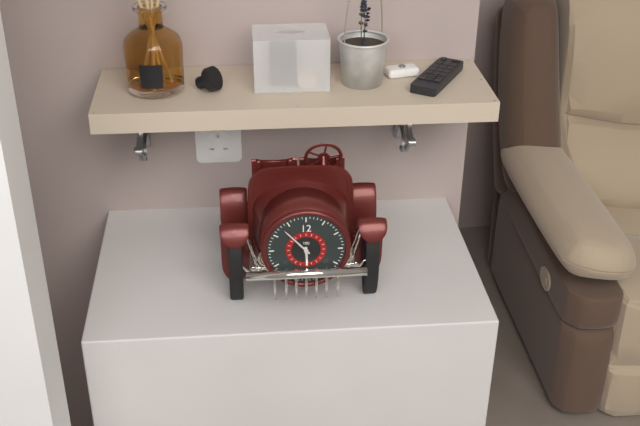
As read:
5:53
